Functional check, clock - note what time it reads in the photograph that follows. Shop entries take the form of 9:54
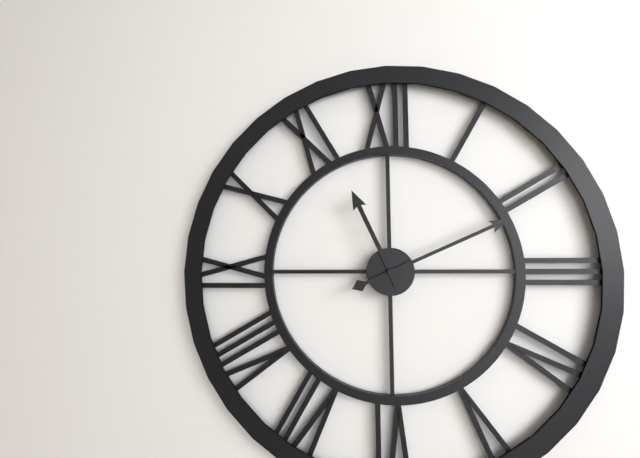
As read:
11:11
